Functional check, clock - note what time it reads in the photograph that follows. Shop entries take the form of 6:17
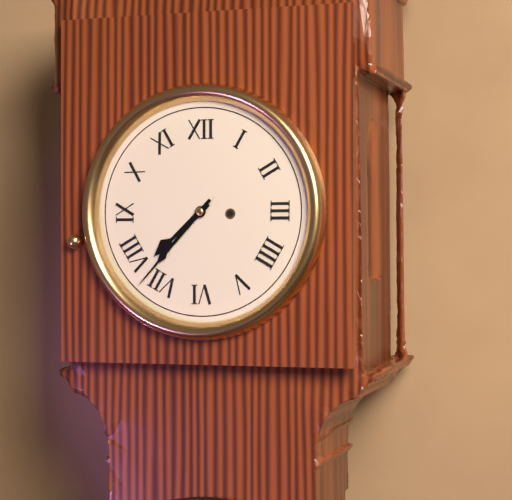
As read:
7:37
